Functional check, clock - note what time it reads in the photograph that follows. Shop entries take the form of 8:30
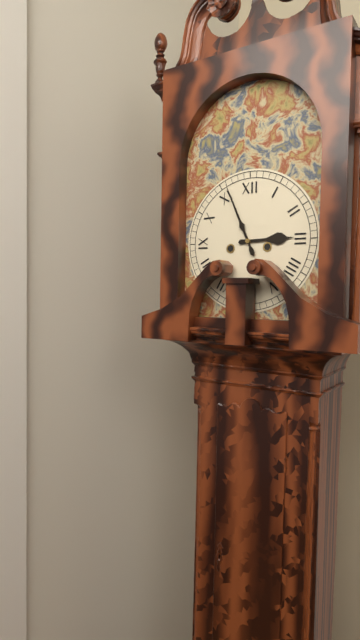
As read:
2:56
